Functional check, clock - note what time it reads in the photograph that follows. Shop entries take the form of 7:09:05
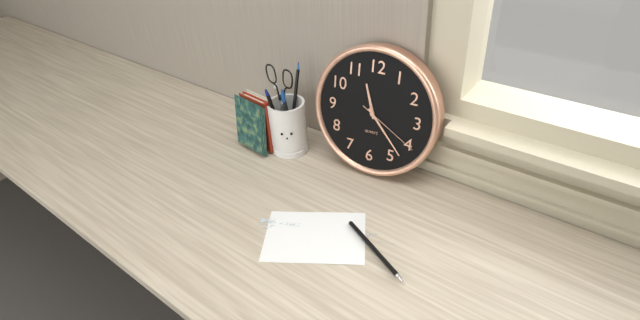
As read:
11:23:20
